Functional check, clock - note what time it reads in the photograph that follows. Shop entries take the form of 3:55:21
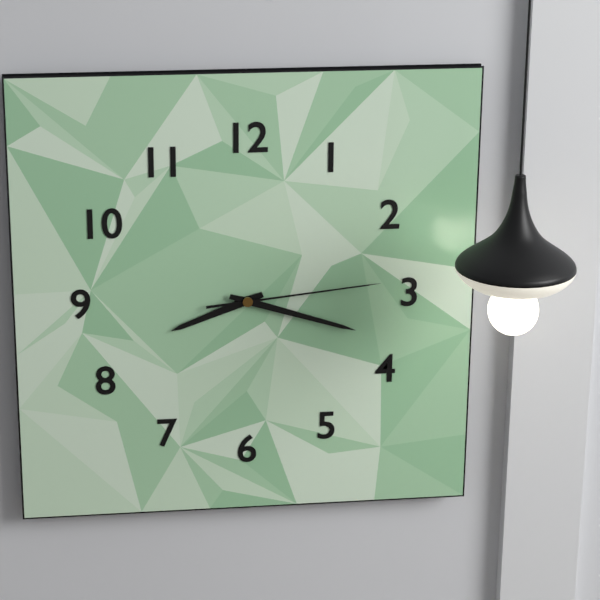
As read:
8:18:14
